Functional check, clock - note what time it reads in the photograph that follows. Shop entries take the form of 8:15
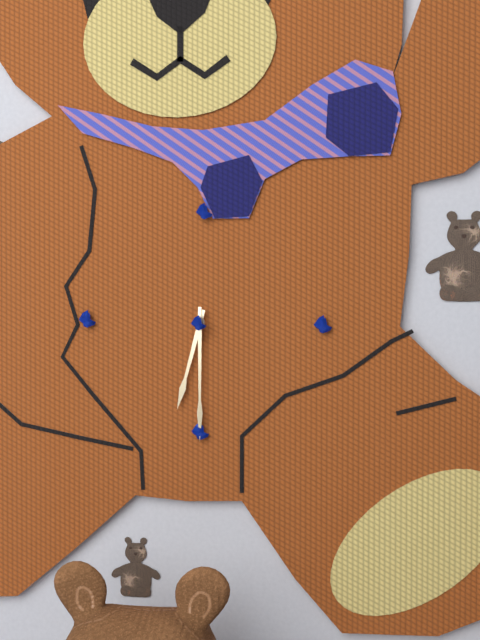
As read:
6:30
